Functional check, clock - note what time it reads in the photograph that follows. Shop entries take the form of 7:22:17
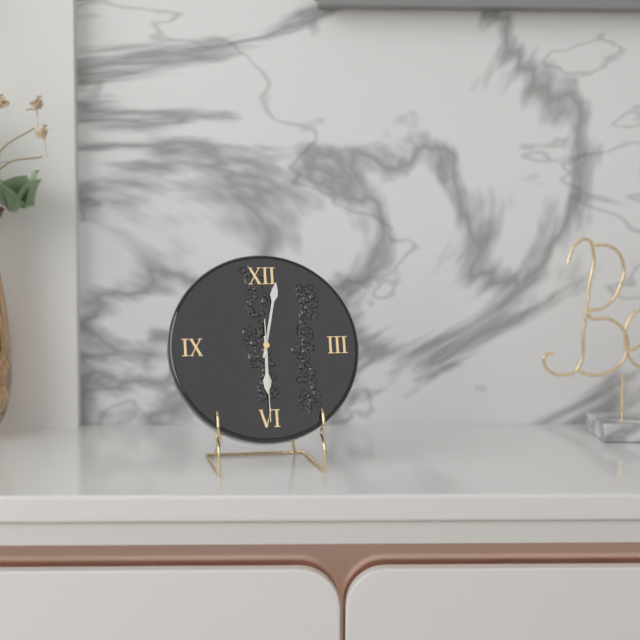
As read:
6:02:30
